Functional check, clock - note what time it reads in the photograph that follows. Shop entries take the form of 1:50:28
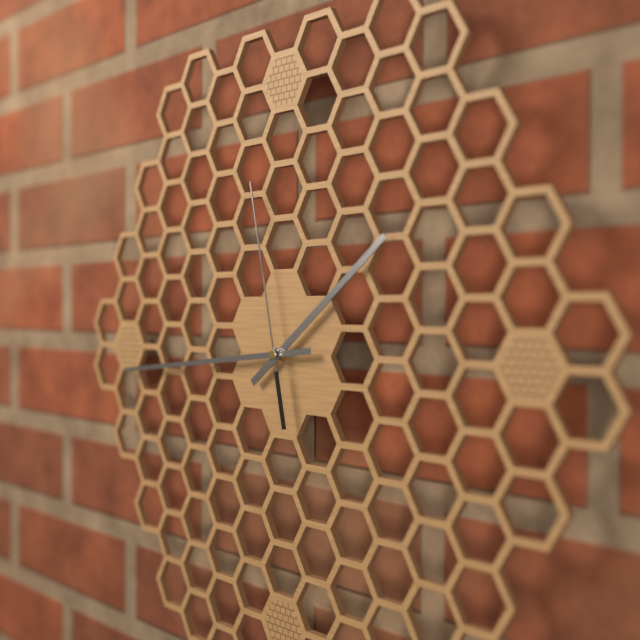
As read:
1:44:58
